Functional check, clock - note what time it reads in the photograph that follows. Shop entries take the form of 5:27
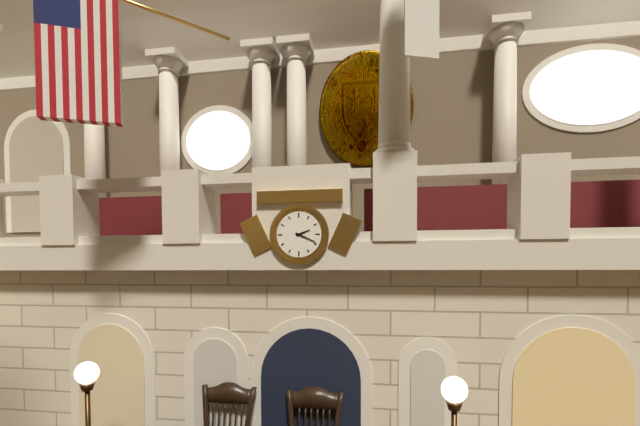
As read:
2:19
